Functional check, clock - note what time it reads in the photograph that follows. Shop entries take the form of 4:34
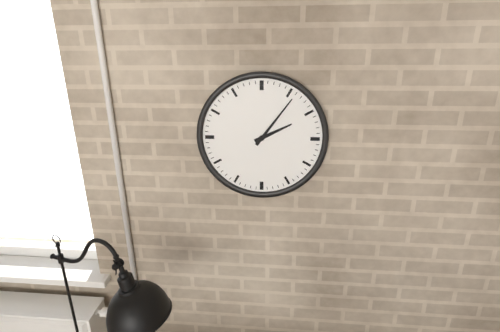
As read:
2:06
